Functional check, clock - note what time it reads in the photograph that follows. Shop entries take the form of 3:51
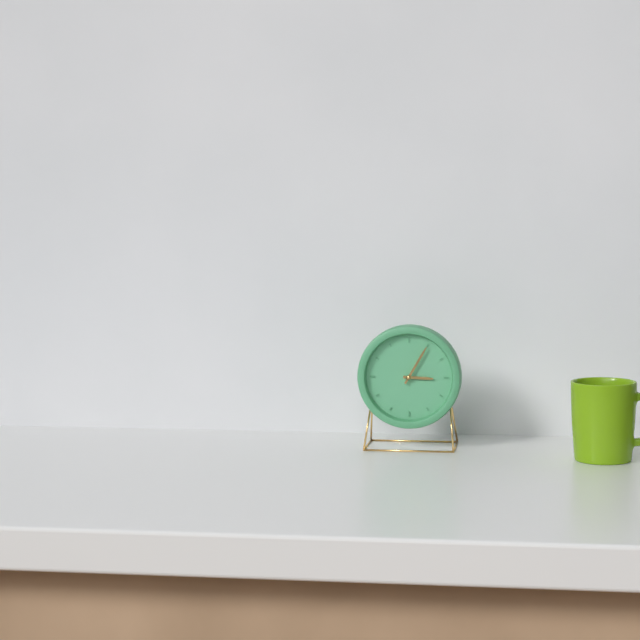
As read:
3:05
